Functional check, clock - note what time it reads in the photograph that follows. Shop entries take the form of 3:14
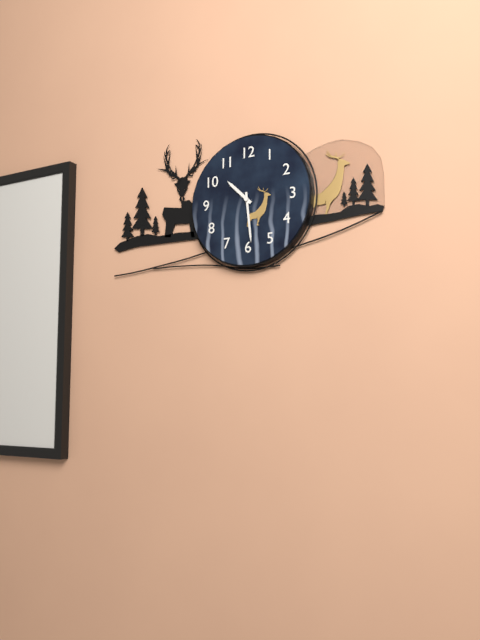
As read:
10:29
